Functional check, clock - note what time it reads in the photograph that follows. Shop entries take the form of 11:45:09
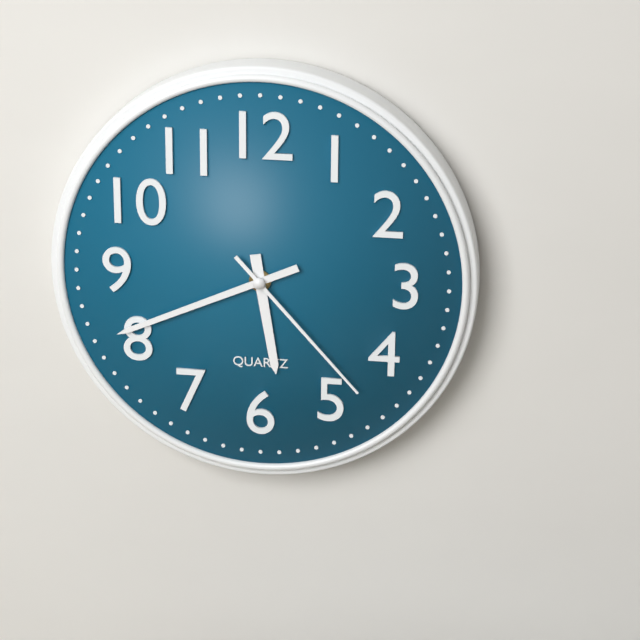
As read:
5:41:23
